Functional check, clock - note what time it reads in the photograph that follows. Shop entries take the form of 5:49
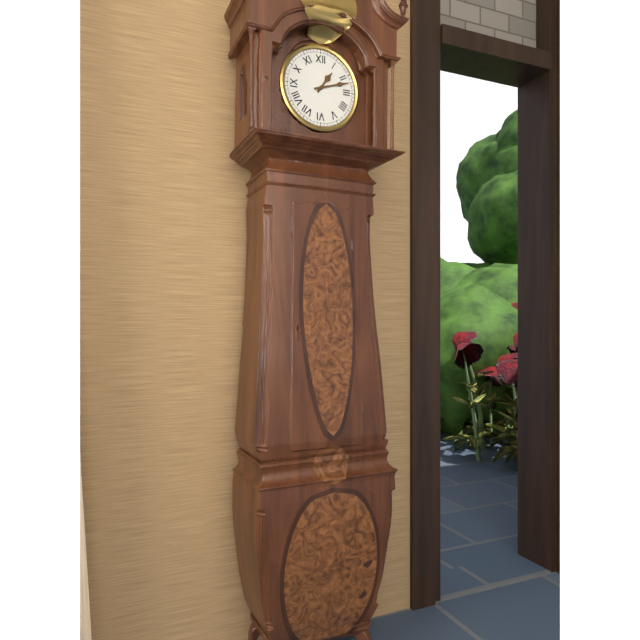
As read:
1:12
